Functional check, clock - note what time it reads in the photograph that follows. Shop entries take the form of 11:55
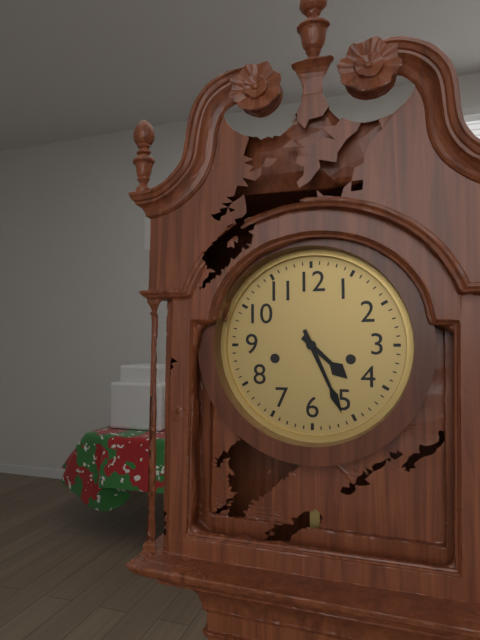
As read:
4:26
